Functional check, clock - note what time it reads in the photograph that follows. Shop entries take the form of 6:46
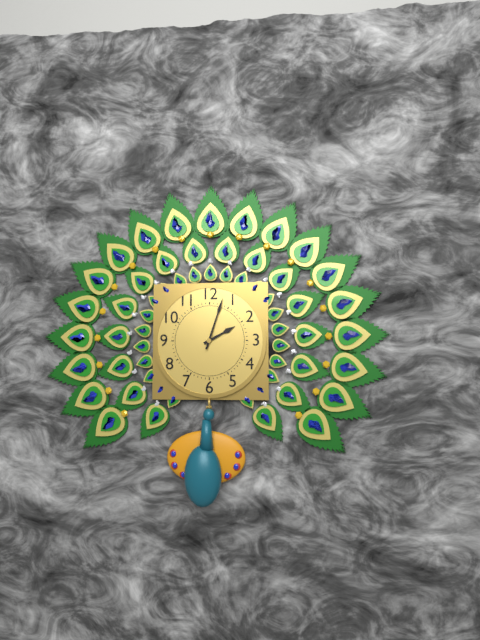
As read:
2:03
